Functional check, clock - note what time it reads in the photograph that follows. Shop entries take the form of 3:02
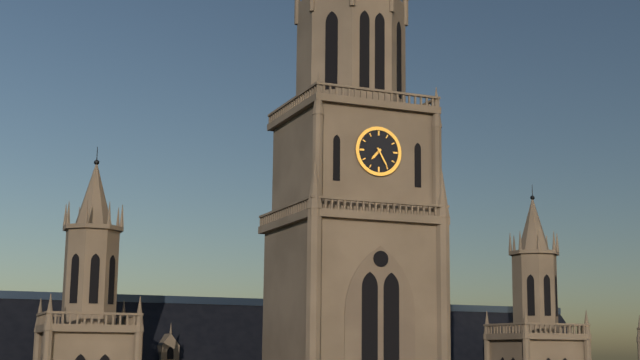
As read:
7:25
